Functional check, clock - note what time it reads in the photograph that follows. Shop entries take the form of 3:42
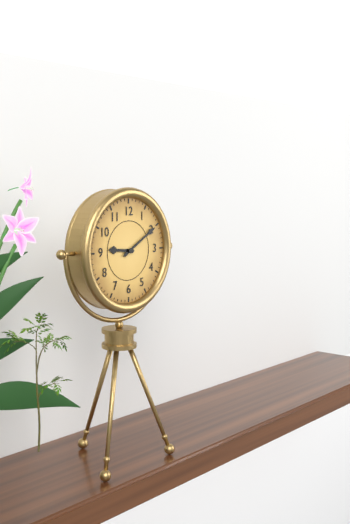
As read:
9:10
